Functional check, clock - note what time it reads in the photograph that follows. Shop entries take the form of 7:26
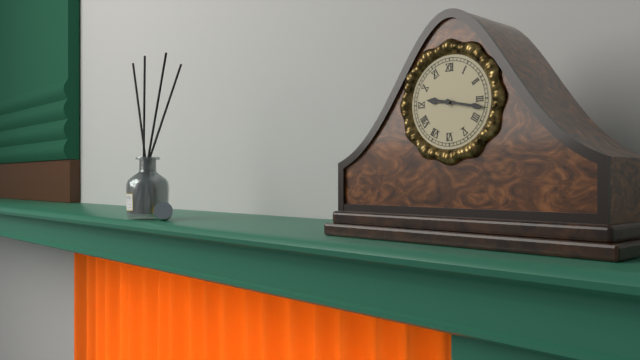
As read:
9:17
